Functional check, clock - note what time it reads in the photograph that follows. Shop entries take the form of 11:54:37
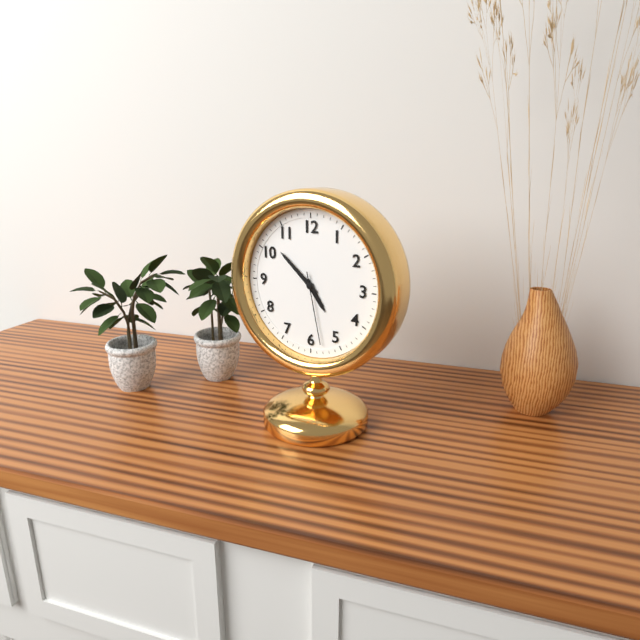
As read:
4:52:28
